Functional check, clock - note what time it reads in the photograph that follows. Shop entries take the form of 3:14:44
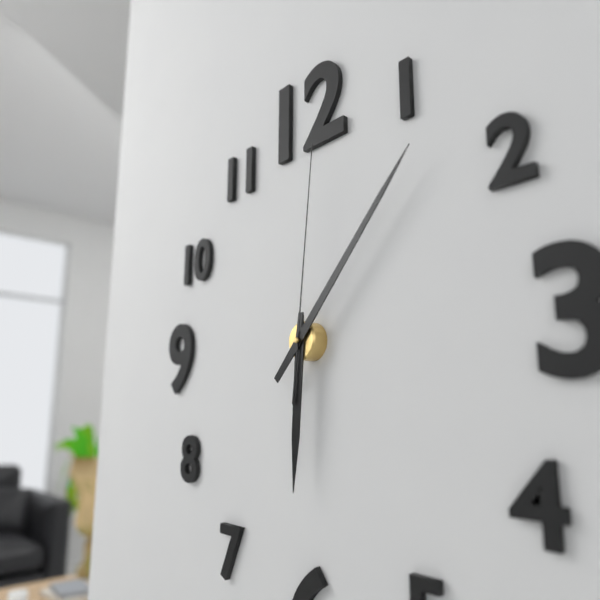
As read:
6:07:01
